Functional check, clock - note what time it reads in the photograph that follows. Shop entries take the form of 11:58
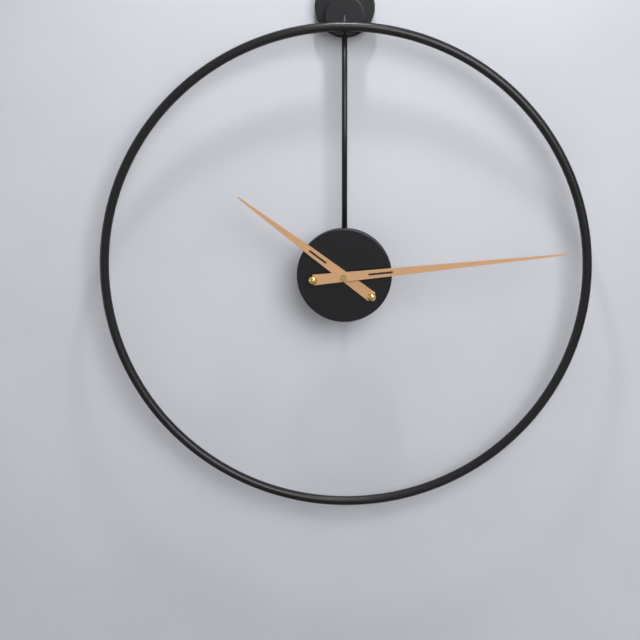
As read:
10:14
